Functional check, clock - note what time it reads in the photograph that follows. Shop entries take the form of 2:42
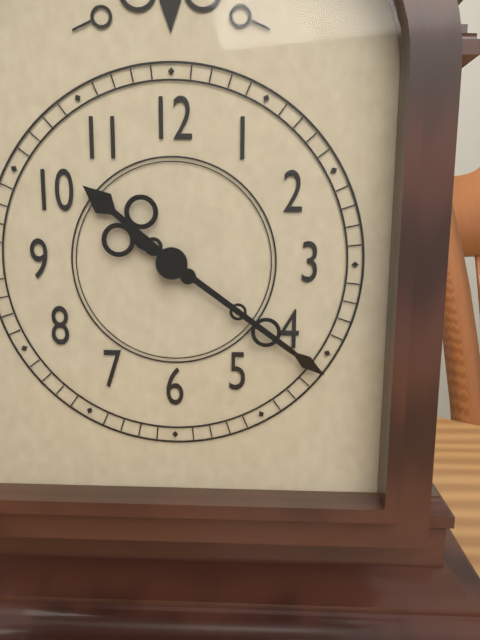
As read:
10:21
